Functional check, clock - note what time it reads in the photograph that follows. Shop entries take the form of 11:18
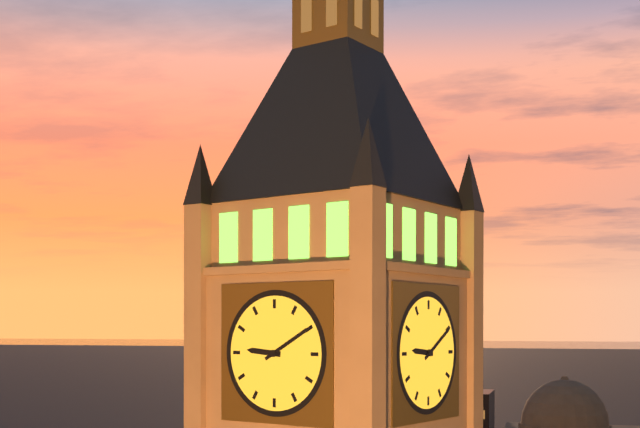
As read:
9:10
